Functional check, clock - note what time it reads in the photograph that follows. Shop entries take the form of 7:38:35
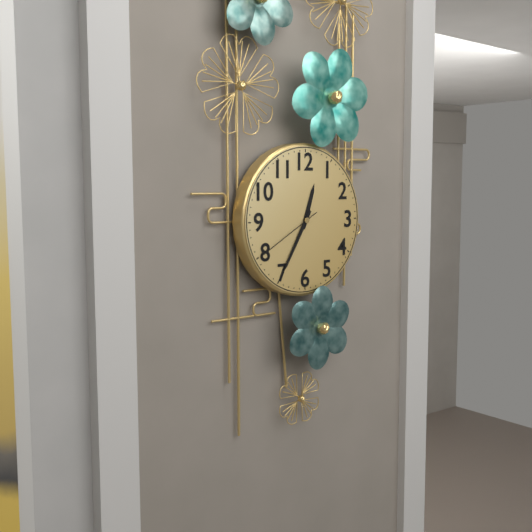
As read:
12:35:40
